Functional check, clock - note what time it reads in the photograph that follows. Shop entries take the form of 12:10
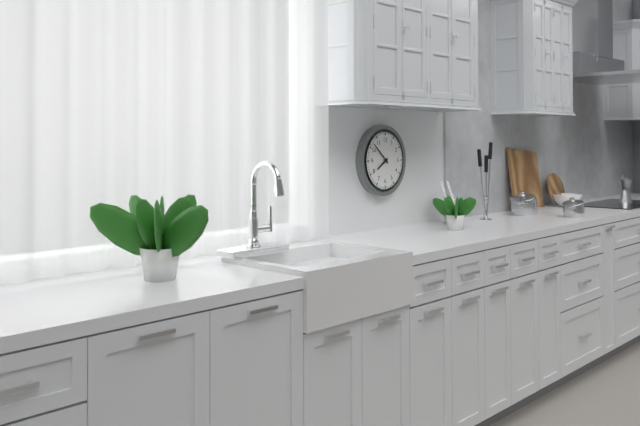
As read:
7:52
